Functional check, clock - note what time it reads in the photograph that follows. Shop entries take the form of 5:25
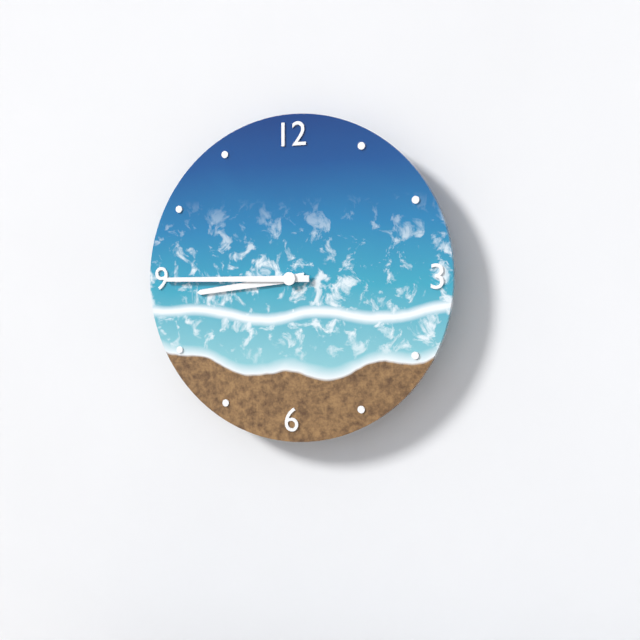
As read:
8:45
